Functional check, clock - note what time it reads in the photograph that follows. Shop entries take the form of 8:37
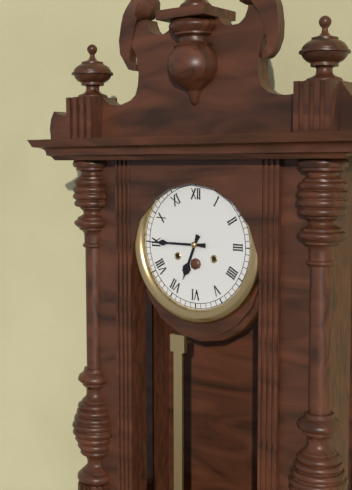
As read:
6:45
